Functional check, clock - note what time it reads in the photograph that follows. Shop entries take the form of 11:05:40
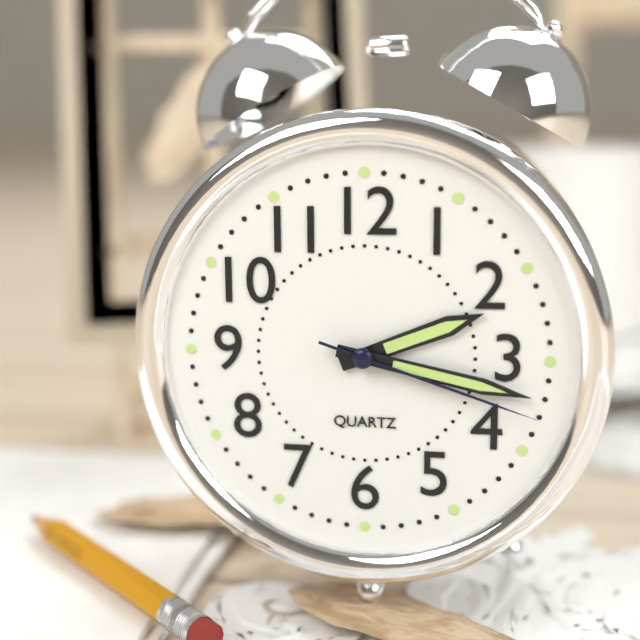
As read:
2:17:18
